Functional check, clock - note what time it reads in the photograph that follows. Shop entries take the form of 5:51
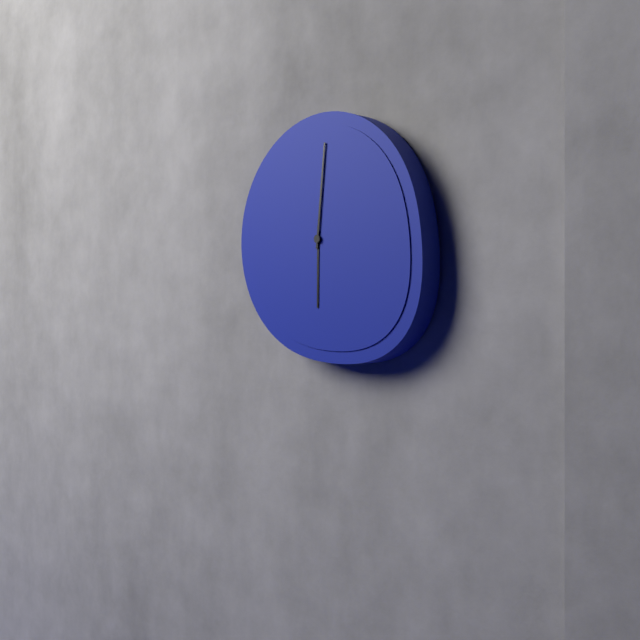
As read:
6:01
